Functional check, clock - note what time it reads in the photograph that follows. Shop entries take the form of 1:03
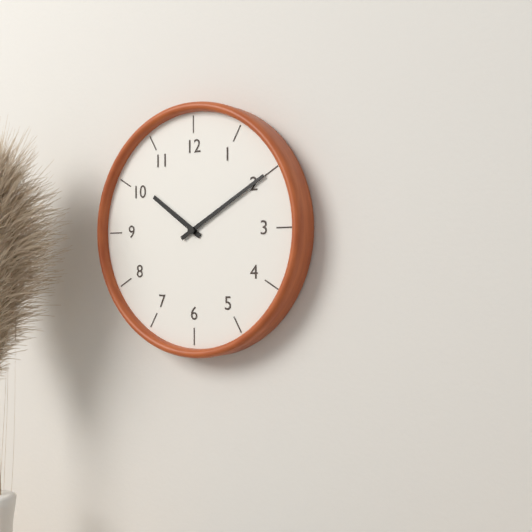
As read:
10:10
